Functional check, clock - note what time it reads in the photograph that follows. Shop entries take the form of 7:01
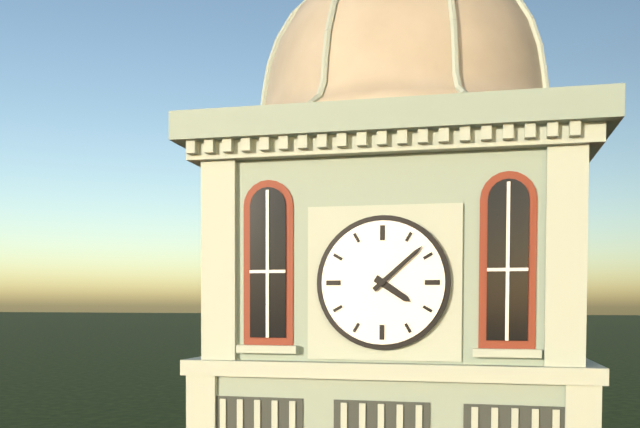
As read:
4:08
